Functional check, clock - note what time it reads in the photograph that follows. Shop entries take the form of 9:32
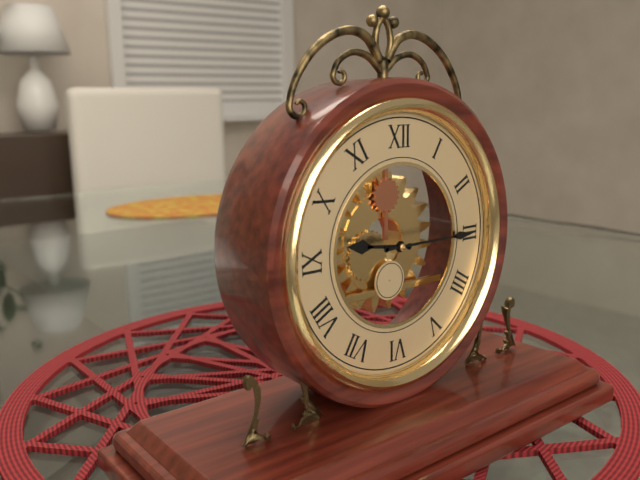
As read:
9:15
